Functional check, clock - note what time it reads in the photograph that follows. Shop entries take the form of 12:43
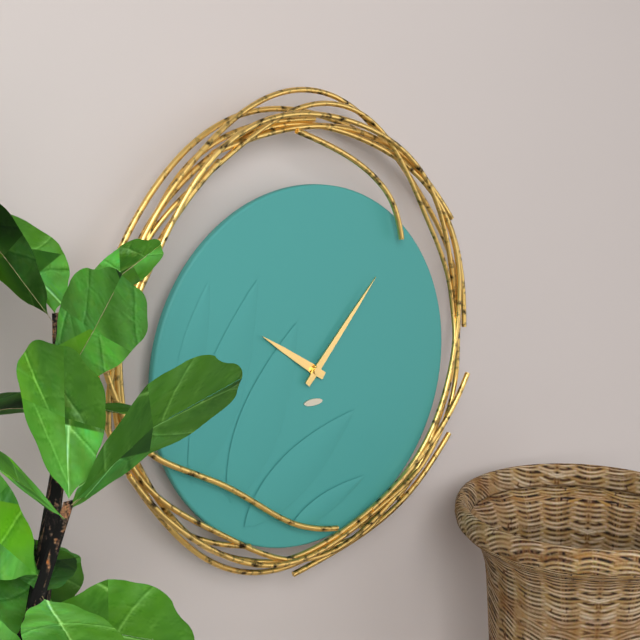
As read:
10:07
